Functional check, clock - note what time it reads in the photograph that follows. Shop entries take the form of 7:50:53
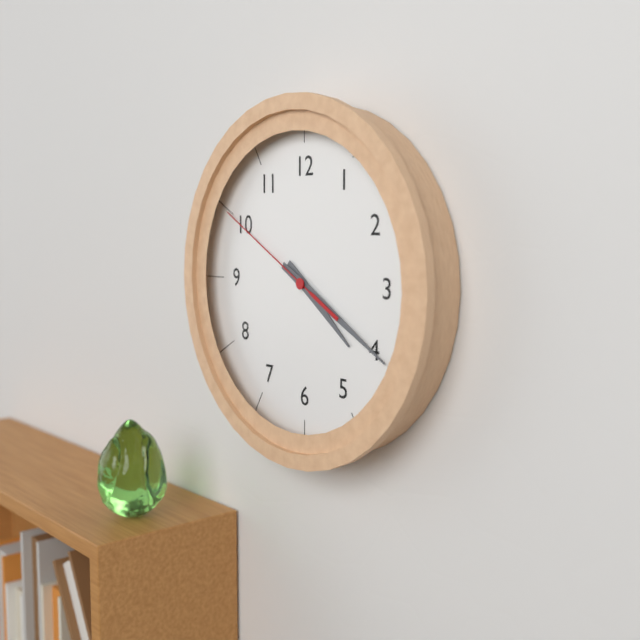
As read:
4:20:50
